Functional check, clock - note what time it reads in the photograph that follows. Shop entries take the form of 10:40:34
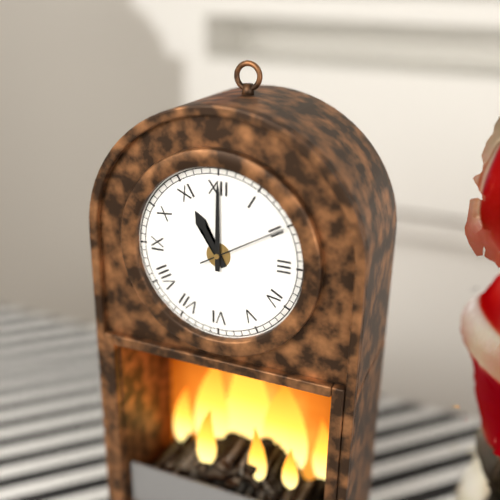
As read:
11:00:10
